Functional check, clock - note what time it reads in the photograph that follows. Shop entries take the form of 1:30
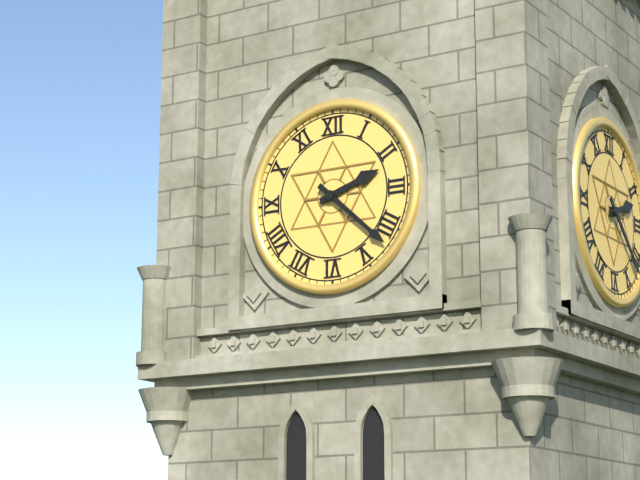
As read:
2:22
